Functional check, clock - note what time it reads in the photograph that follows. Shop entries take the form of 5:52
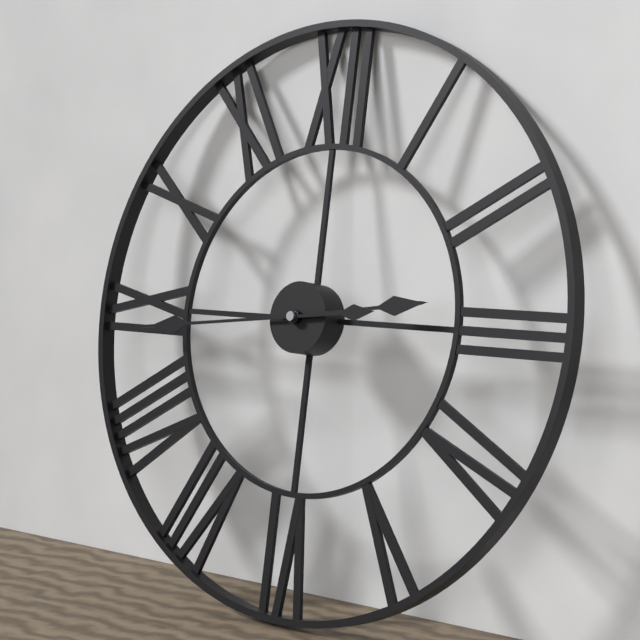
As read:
2:44
